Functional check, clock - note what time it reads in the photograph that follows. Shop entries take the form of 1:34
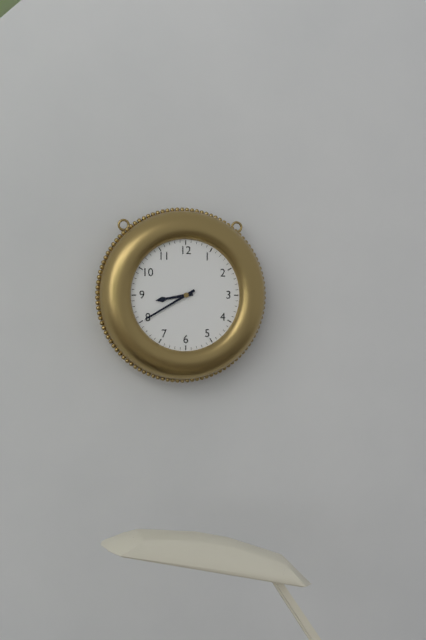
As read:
8:40
